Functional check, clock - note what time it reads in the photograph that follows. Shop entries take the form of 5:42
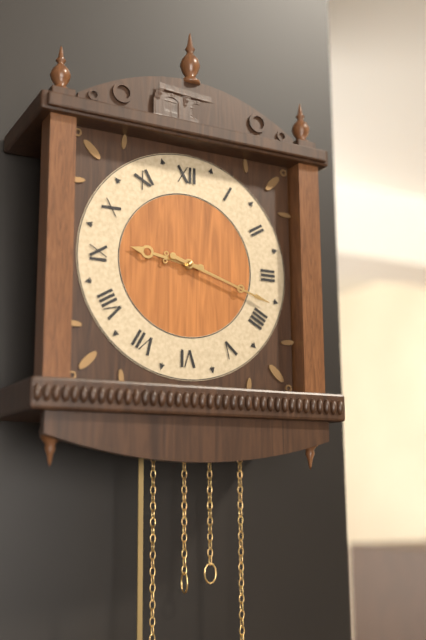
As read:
9:18
